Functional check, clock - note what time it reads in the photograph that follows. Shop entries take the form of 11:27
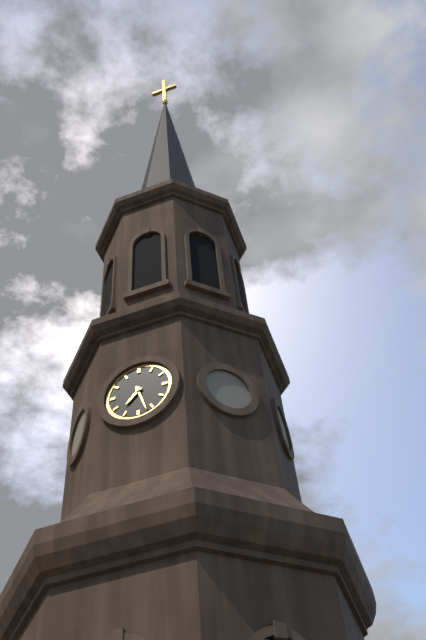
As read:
7:27
